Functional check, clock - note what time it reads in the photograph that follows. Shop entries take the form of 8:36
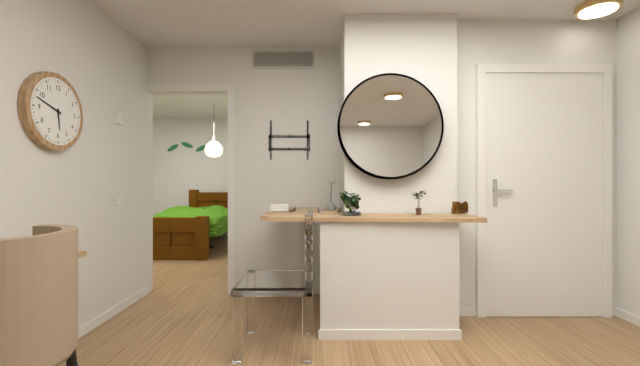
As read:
5:48
